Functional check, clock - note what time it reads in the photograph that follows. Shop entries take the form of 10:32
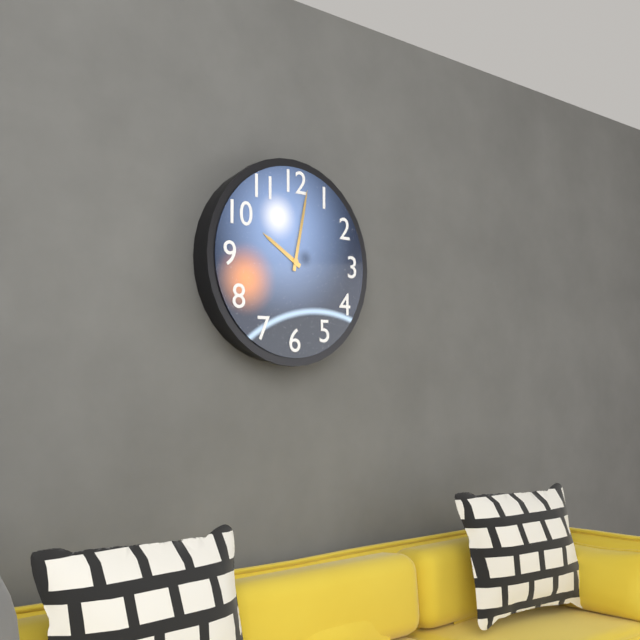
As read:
10:02
